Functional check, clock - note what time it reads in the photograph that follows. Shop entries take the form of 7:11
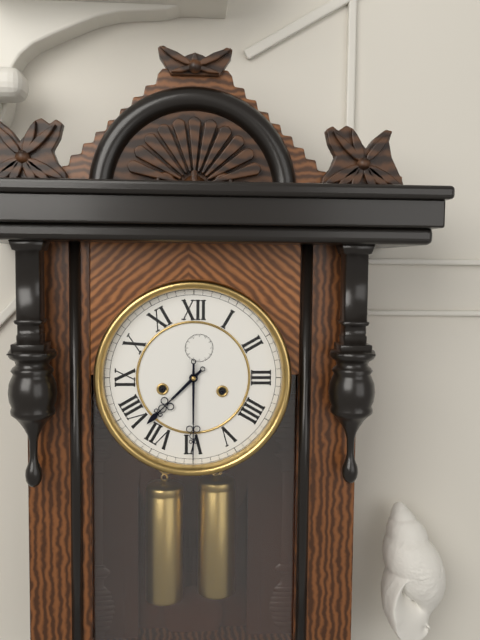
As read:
7:30
